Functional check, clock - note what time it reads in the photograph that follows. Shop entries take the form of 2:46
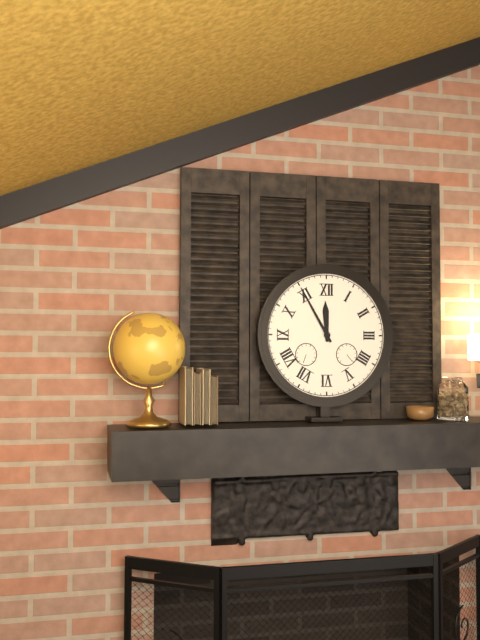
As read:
11:55
